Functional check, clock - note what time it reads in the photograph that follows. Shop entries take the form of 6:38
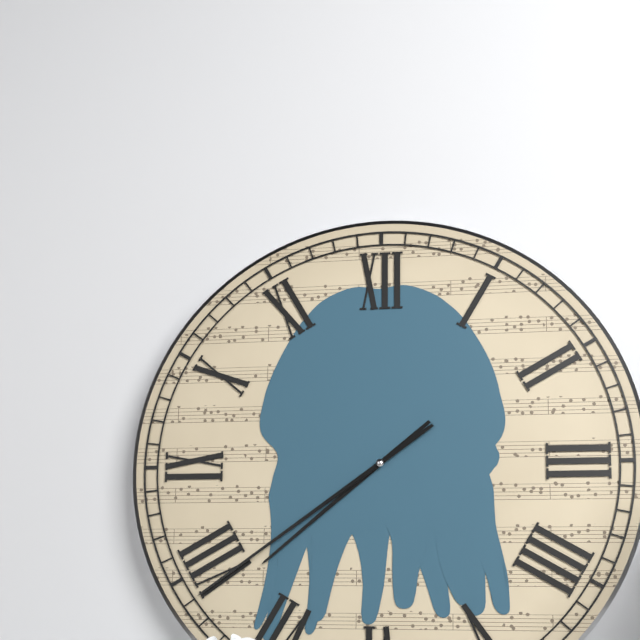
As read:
7:39
